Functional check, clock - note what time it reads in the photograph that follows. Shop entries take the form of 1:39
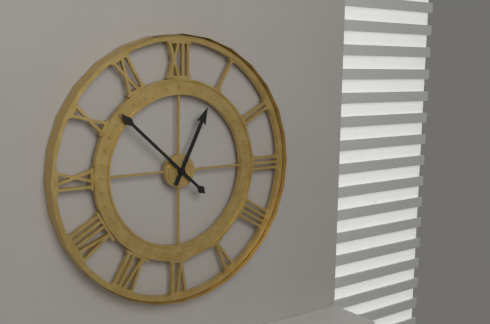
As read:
12:52
